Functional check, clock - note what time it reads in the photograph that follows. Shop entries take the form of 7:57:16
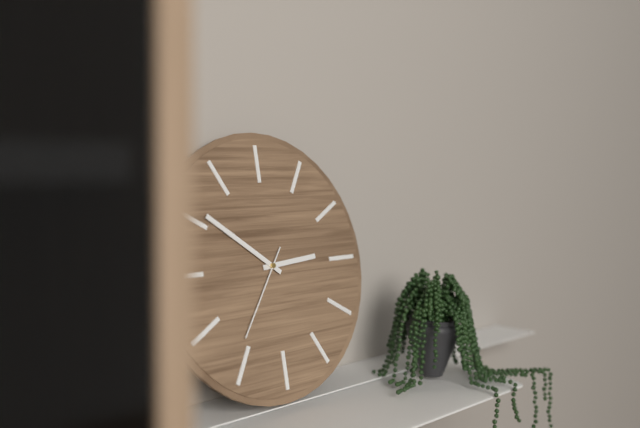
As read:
2:51:36
